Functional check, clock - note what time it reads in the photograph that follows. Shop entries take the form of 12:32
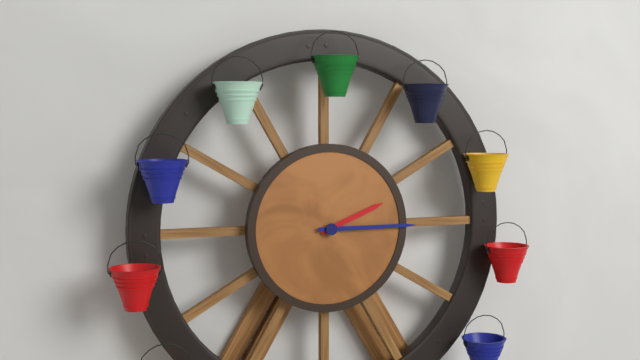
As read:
2:15
